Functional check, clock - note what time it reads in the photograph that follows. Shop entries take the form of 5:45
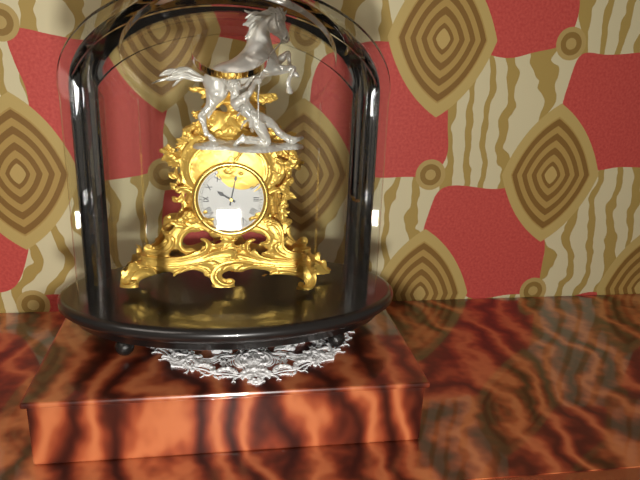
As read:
10:02
